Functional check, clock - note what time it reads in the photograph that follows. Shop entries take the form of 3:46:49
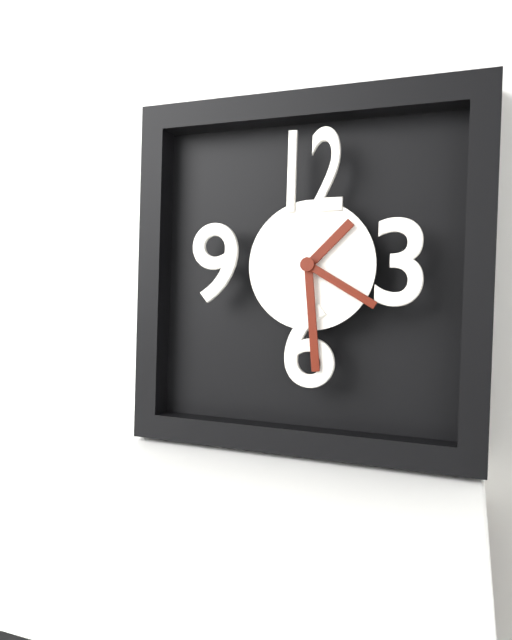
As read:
1:29:20
